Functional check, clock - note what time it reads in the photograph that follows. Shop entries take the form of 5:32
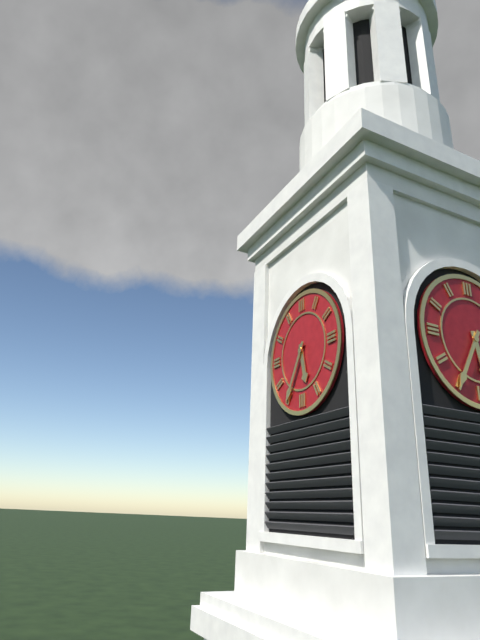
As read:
5:35
